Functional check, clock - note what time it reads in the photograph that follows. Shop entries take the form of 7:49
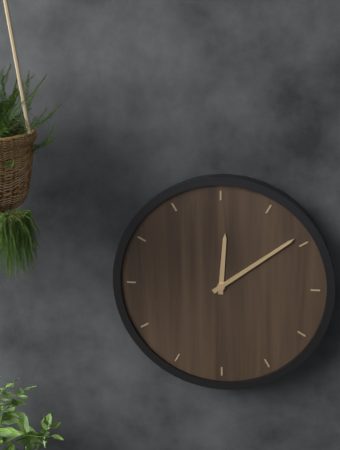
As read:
12:09
